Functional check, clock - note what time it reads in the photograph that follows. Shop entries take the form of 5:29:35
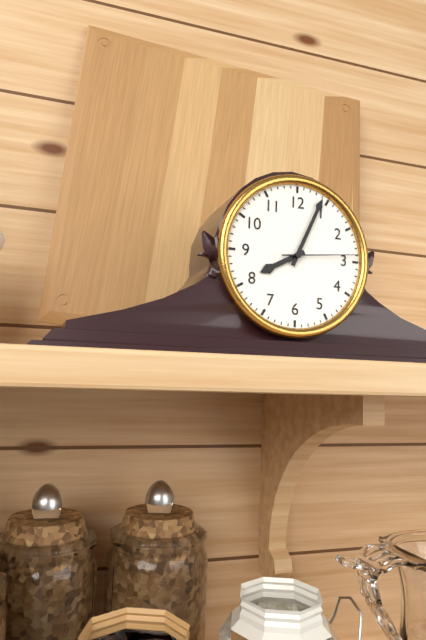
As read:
8:04:14
